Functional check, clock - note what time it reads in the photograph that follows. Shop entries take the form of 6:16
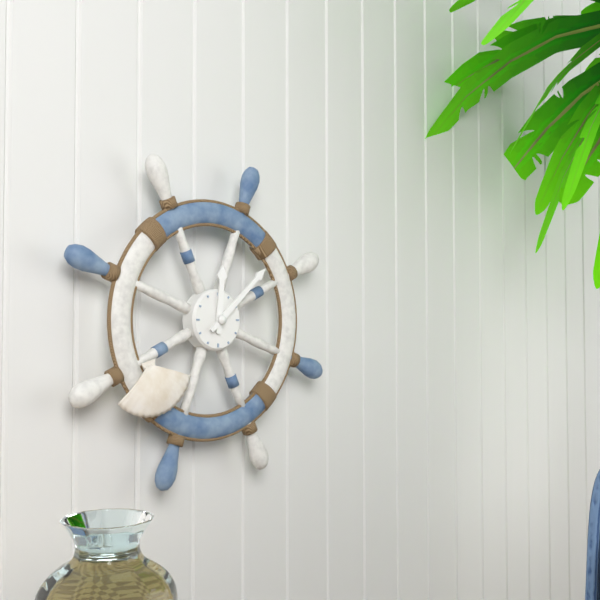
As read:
12:08
